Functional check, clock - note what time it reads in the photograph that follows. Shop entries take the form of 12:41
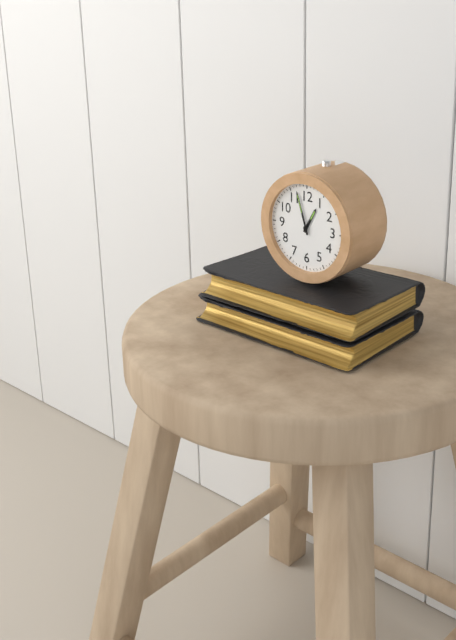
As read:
12:57
